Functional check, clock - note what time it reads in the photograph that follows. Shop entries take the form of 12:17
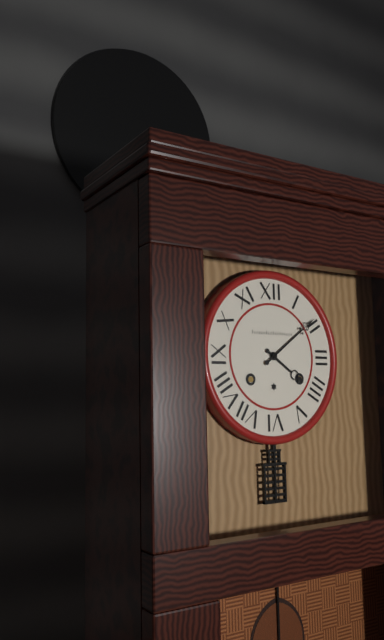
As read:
4:09
